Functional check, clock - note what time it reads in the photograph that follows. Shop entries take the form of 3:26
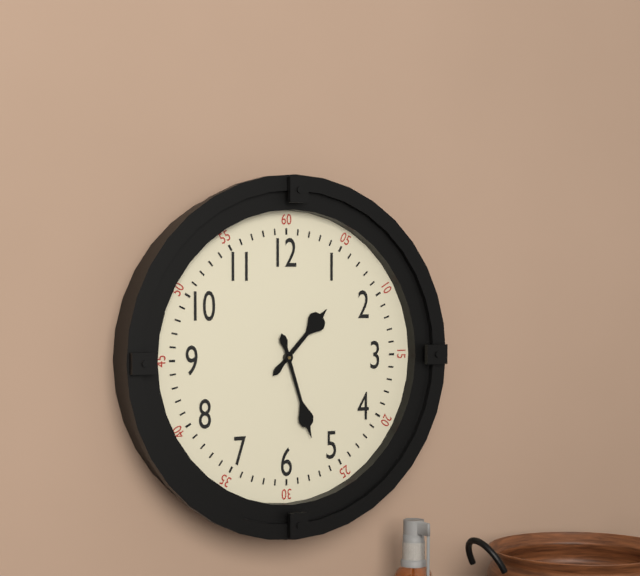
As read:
1:27
